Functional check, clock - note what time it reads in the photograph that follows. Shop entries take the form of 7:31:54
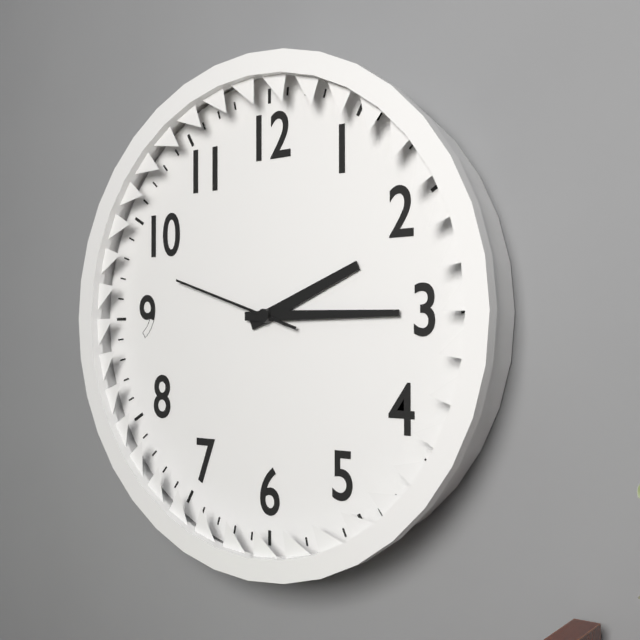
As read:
2:15:48
